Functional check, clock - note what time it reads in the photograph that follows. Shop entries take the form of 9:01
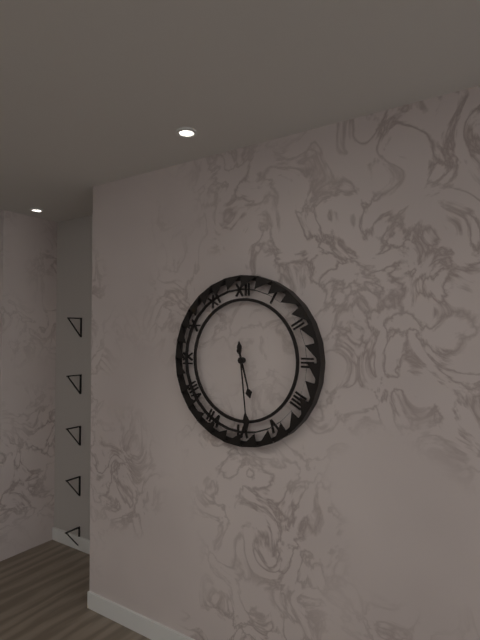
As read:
5:29
